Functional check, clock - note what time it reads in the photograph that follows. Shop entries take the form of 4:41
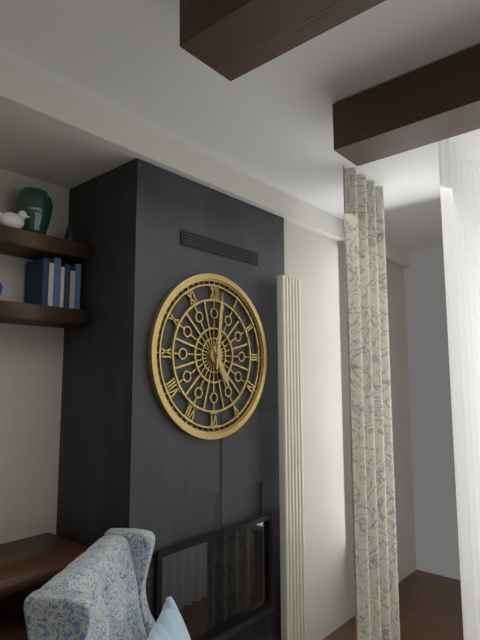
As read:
5:01
